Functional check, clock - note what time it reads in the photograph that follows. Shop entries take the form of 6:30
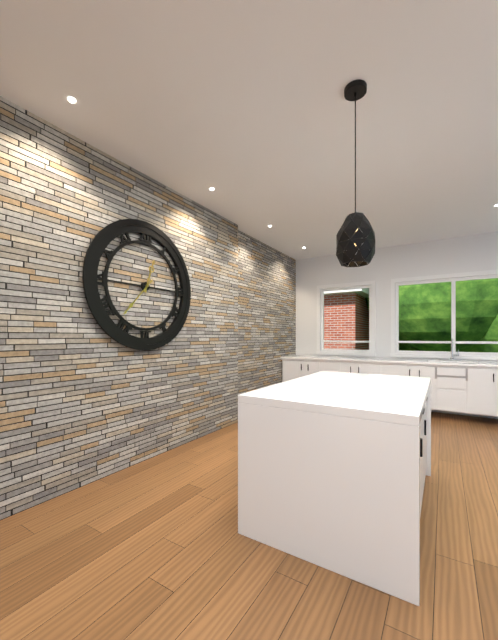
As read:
12:37
